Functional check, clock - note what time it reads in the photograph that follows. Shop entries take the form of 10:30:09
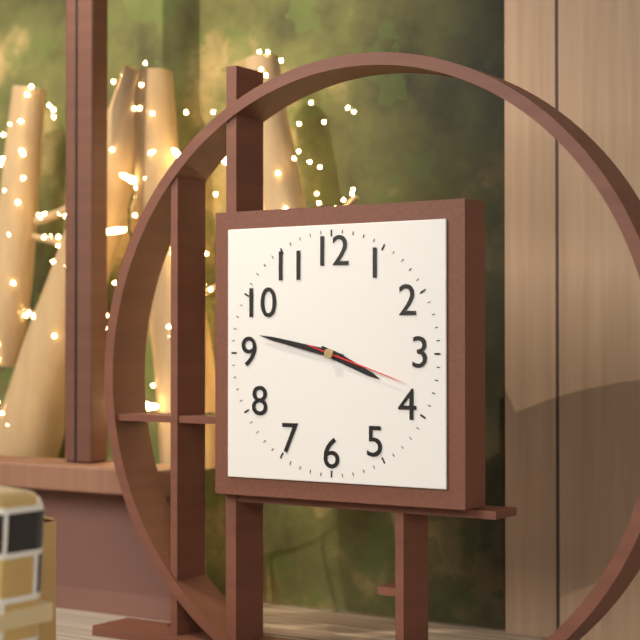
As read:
3:47:18
